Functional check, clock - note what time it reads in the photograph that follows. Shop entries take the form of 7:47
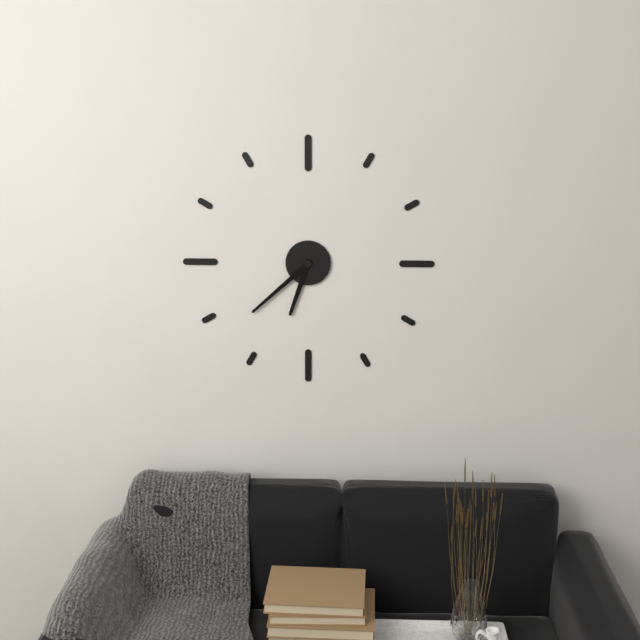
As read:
6:38
